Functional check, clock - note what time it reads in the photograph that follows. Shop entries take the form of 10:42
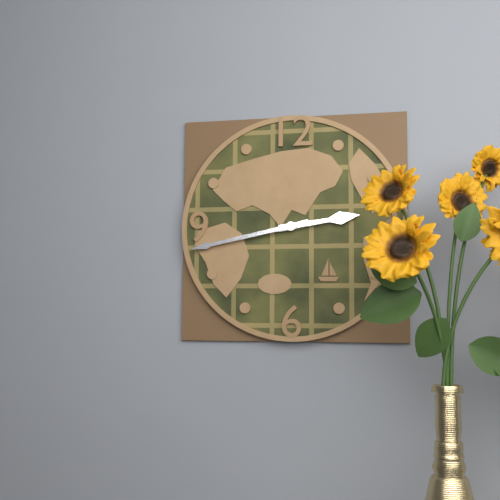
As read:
2:43
